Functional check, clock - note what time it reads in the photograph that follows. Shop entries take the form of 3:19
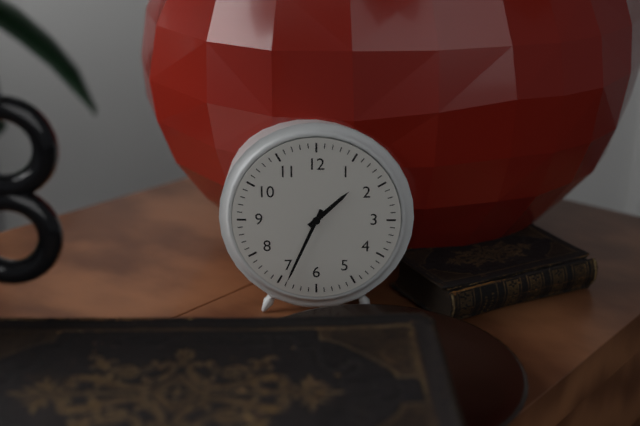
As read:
1:34
